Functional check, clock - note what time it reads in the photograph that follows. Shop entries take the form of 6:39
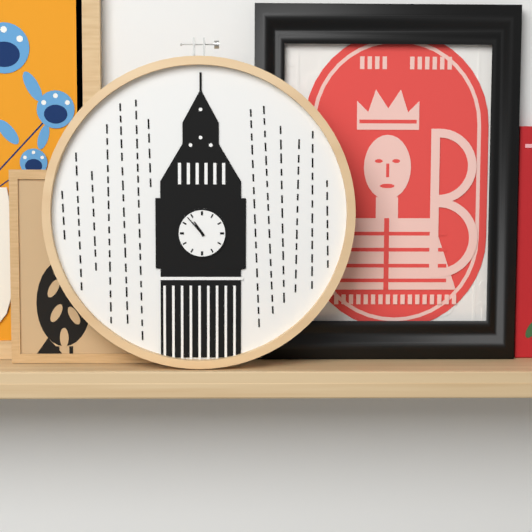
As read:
10:53
